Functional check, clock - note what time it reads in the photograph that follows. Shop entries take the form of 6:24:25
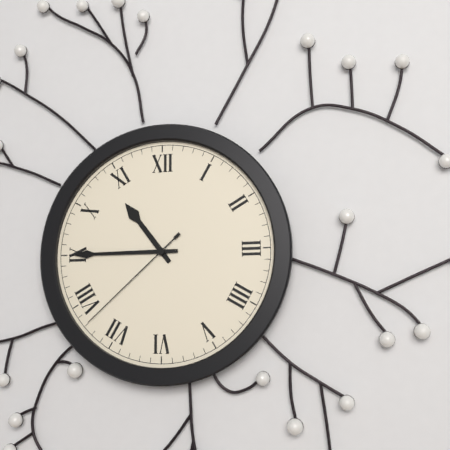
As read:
10:45:38
